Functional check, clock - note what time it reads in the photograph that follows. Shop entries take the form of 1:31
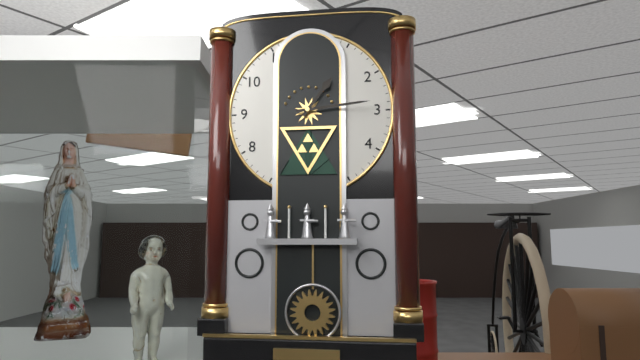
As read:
1:14
